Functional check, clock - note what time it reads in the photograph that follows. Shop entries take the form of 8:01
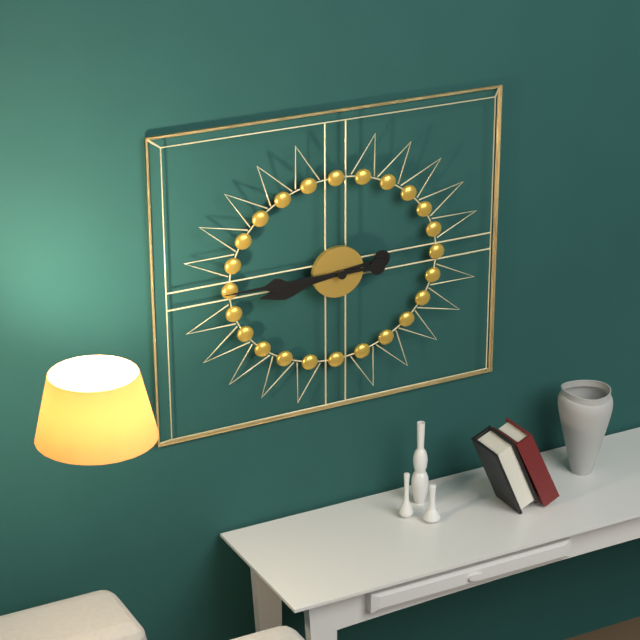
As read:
8:45
